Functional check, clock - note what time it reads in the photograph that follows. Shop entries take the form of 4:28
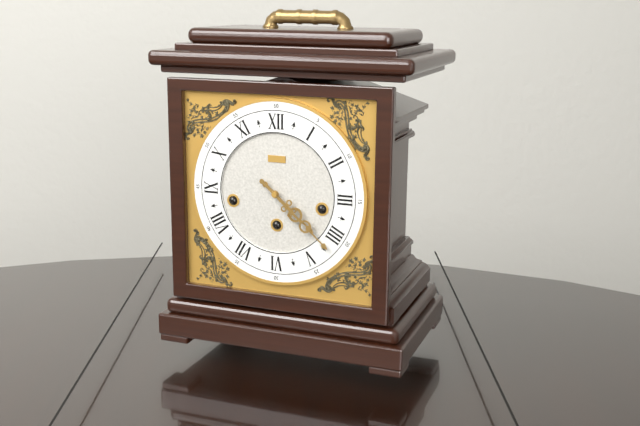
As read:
4:22
